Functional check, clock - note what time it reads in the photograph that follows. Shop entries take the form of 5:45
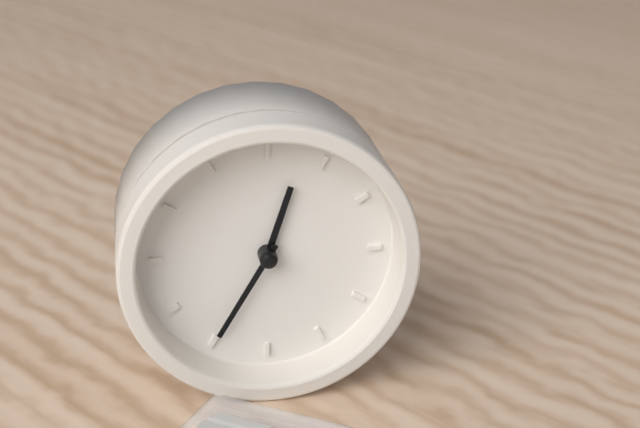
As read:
12:35
